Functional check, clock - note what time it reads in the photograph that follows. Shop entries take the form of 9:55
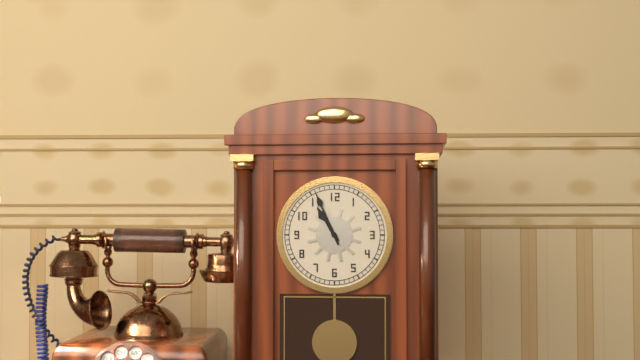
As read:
10:56
